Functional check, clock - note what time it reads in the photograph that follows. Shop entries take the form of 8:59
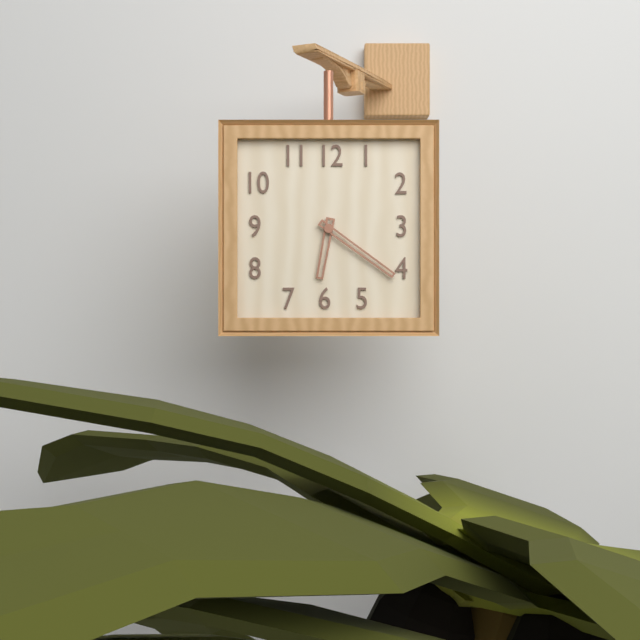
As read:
6:21
